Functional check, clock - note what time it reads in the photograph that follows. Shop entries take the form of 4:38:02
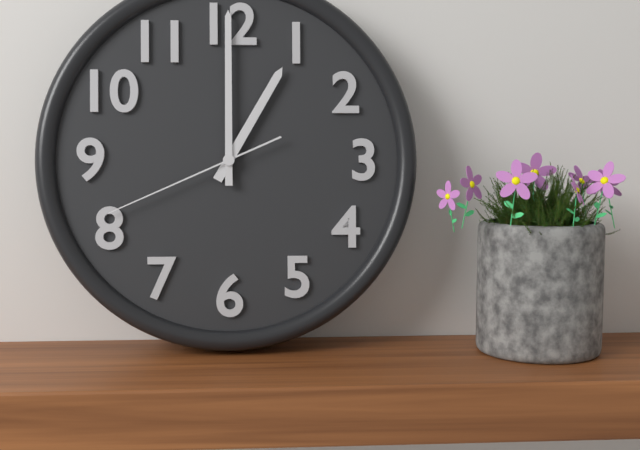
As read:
1:00:41
